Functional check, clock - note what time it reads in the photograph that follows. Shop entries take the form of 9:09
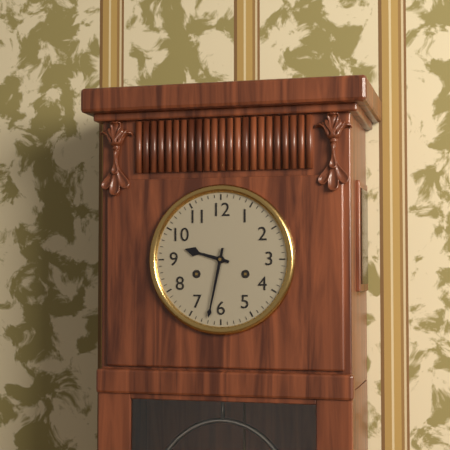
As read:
9:32
